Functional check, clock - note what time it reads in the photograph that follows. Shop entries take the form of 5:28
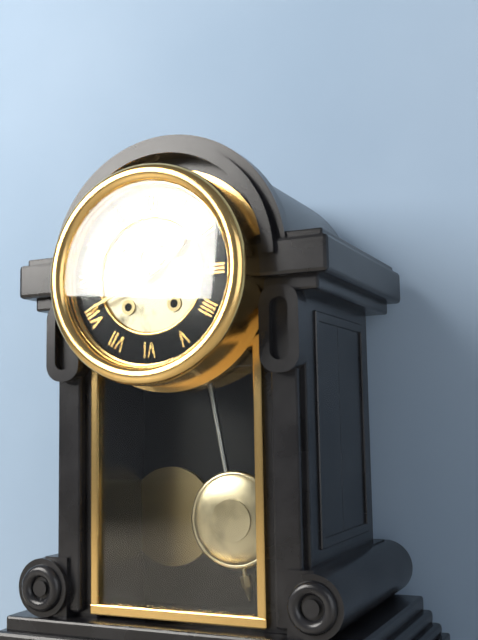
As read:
1:41
